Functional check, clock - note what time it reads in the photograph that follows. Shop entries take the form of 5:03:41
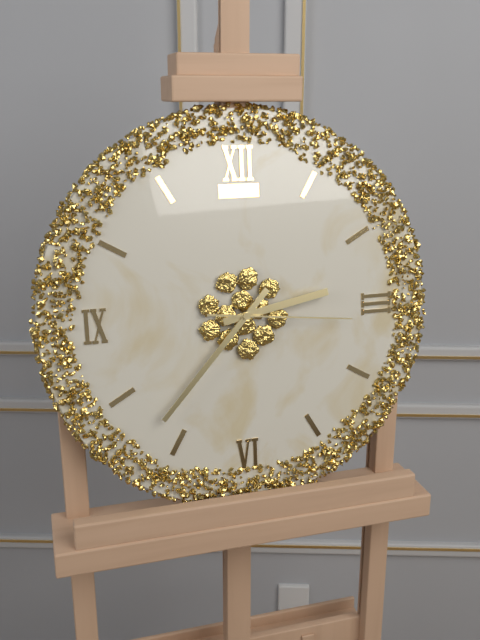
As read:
2:37:16
